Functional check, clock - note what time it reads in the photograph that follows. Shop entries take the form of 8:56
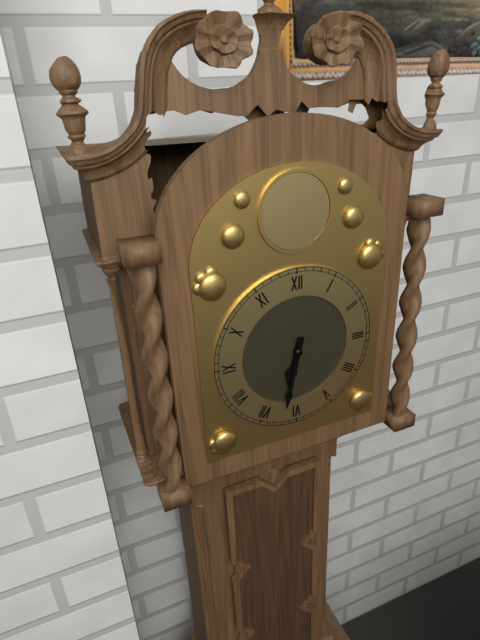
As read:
6:32
